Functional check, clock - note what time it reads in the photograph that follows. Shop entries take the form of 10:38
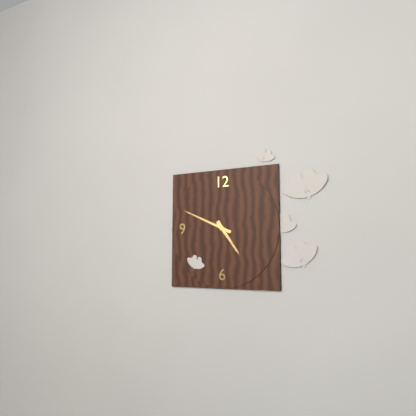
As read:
4:49
